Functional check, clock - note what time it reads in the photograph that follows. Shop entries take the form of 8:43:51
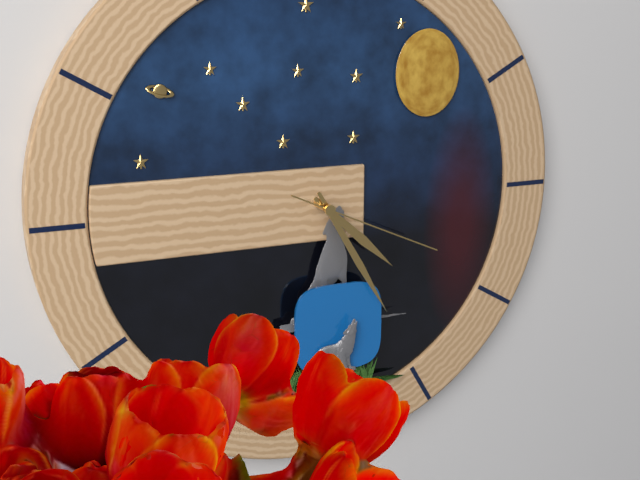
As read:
4:25:19
